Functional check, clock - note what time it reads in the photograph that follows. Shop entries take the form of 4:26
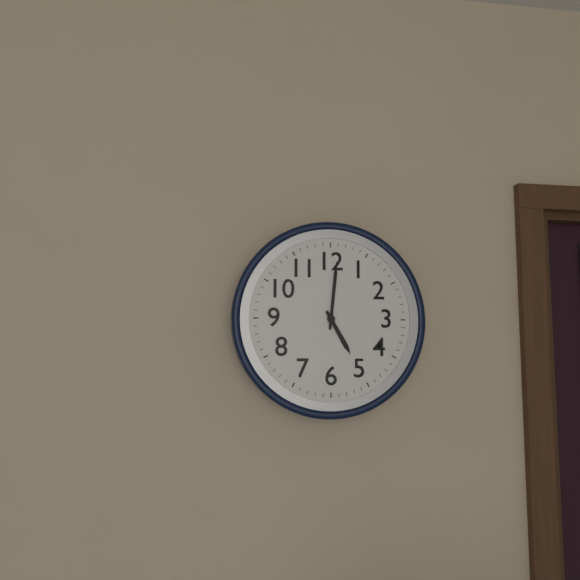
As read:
5:01
